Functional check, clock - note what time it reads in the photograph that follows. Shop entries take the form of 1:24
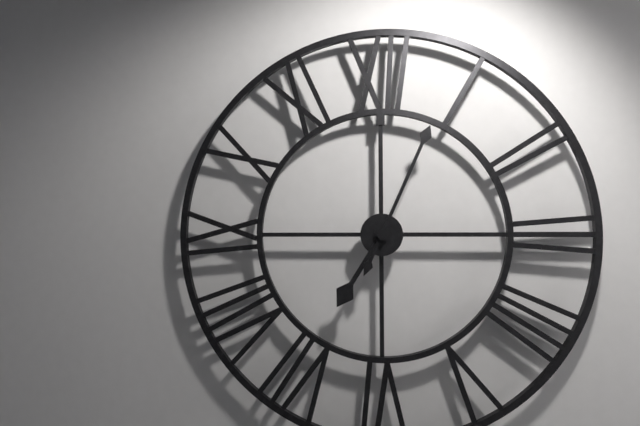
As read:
7:04
